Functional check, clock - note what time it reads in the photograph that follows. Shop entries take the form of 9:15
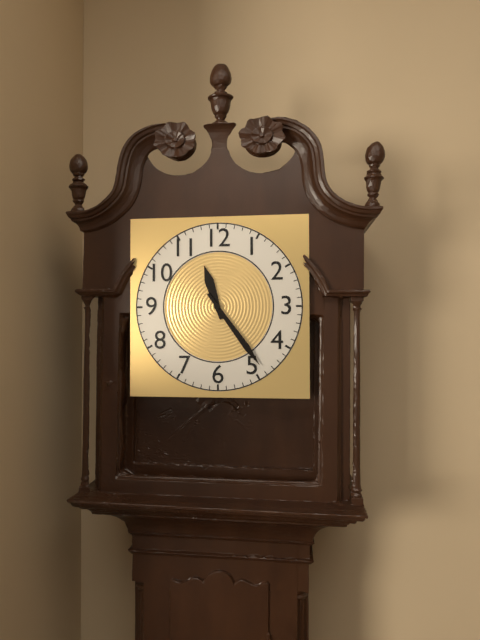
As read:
11:24
